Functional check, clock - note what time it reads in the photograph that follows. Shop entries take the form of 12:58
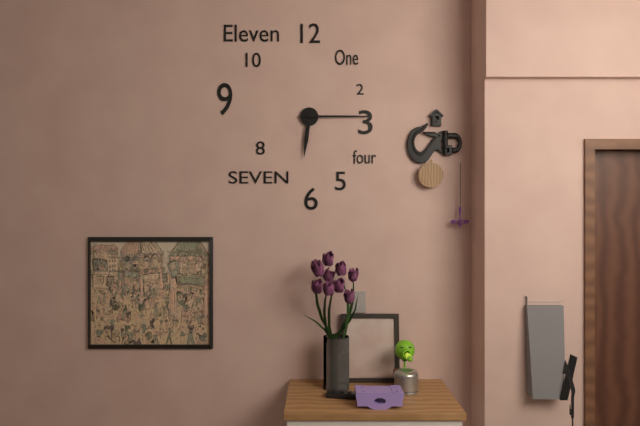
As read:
6:15
